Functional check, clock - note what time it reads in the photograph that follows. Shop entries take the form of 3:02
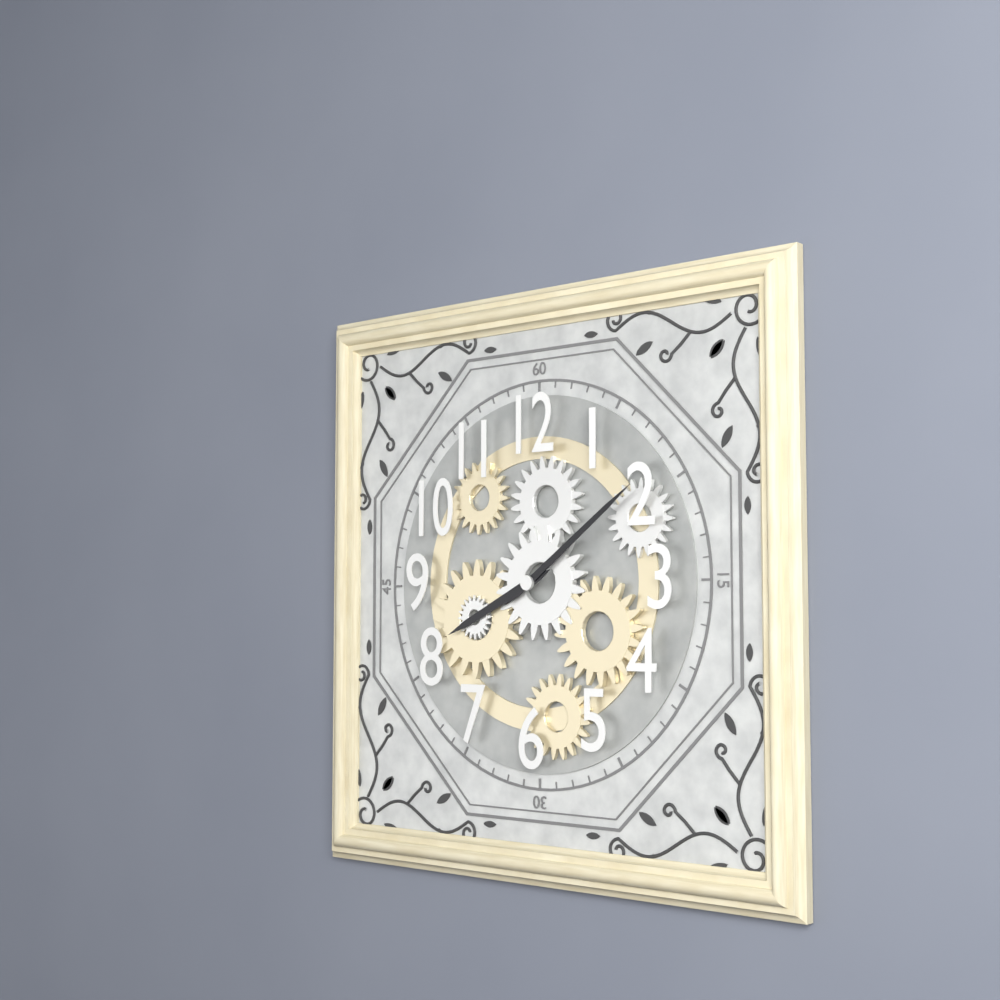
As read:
8:09
